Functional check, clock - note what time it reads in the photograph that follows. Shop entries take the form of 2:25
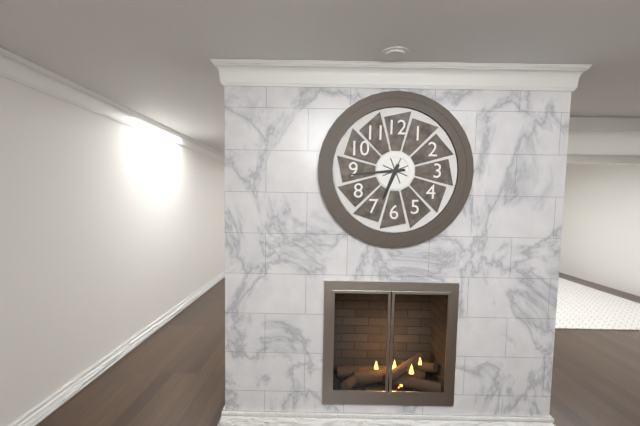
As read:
6:44
